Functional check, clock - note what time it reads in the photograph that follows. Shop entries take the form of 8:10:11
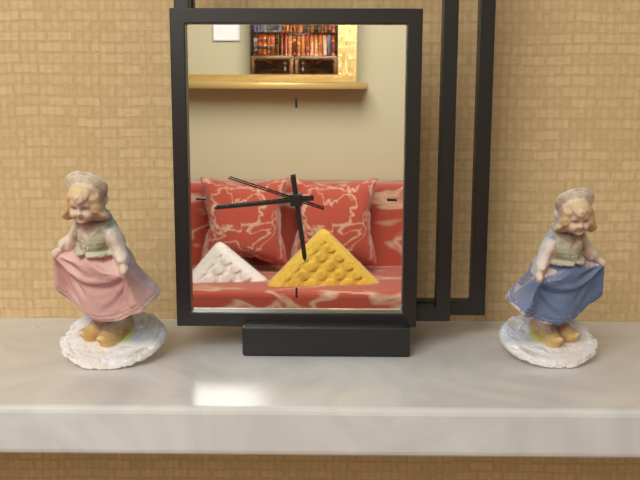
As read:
5:44:48
